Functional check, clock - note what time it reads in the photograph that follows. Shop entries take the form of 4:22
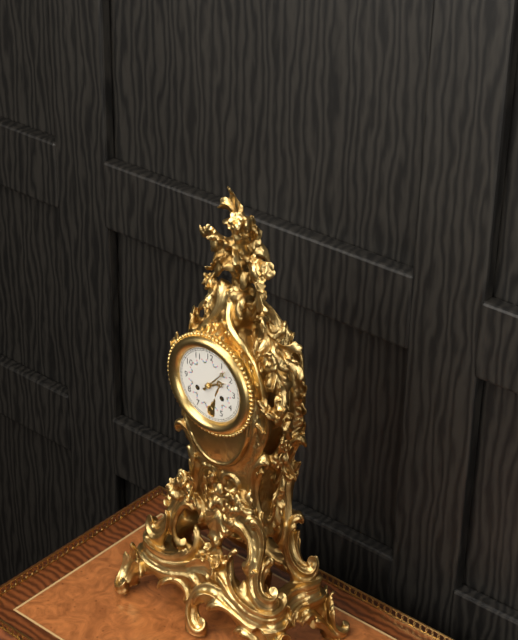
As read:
2:07
